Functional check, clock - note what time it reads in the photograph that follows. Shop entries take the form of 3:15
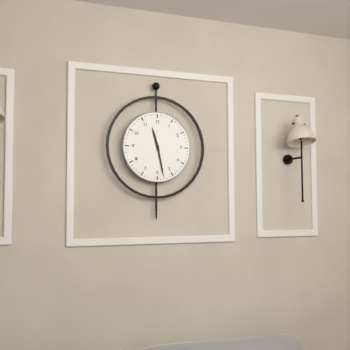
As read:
11:28
